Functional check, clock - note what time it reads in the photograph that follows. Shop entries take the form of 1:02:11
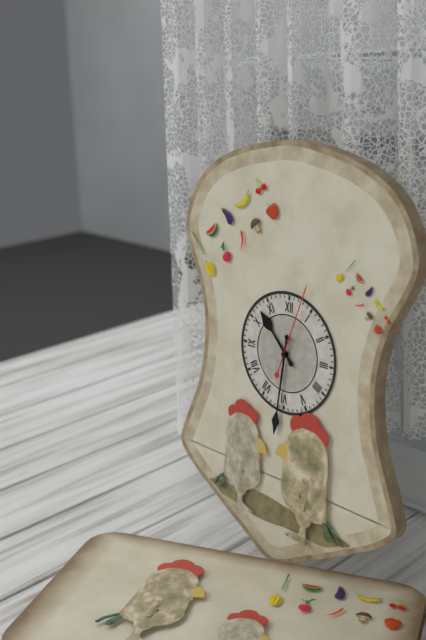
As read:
10:31:03
